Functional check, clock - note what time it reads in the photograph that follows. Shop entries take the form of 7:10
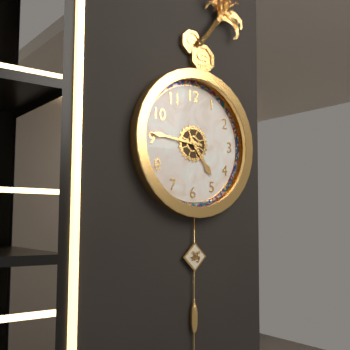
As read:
4:46
